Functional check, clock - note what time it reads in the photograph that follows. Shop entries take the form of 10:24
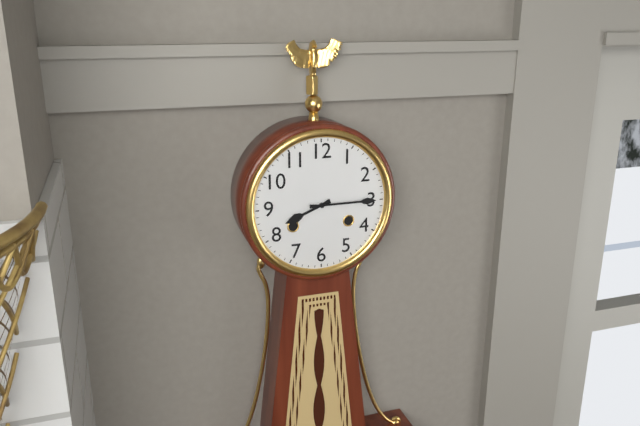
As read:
8:15
